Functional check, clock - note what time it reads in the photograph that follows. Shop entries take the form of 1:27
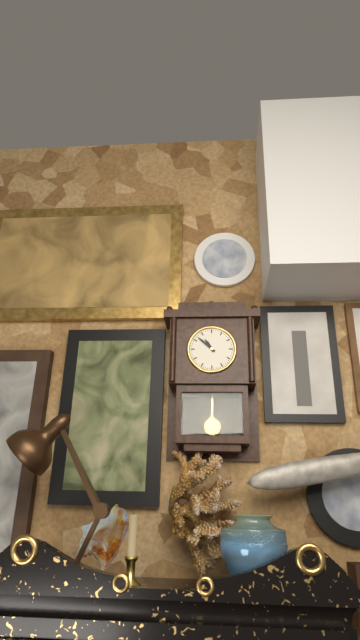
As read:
10:52
